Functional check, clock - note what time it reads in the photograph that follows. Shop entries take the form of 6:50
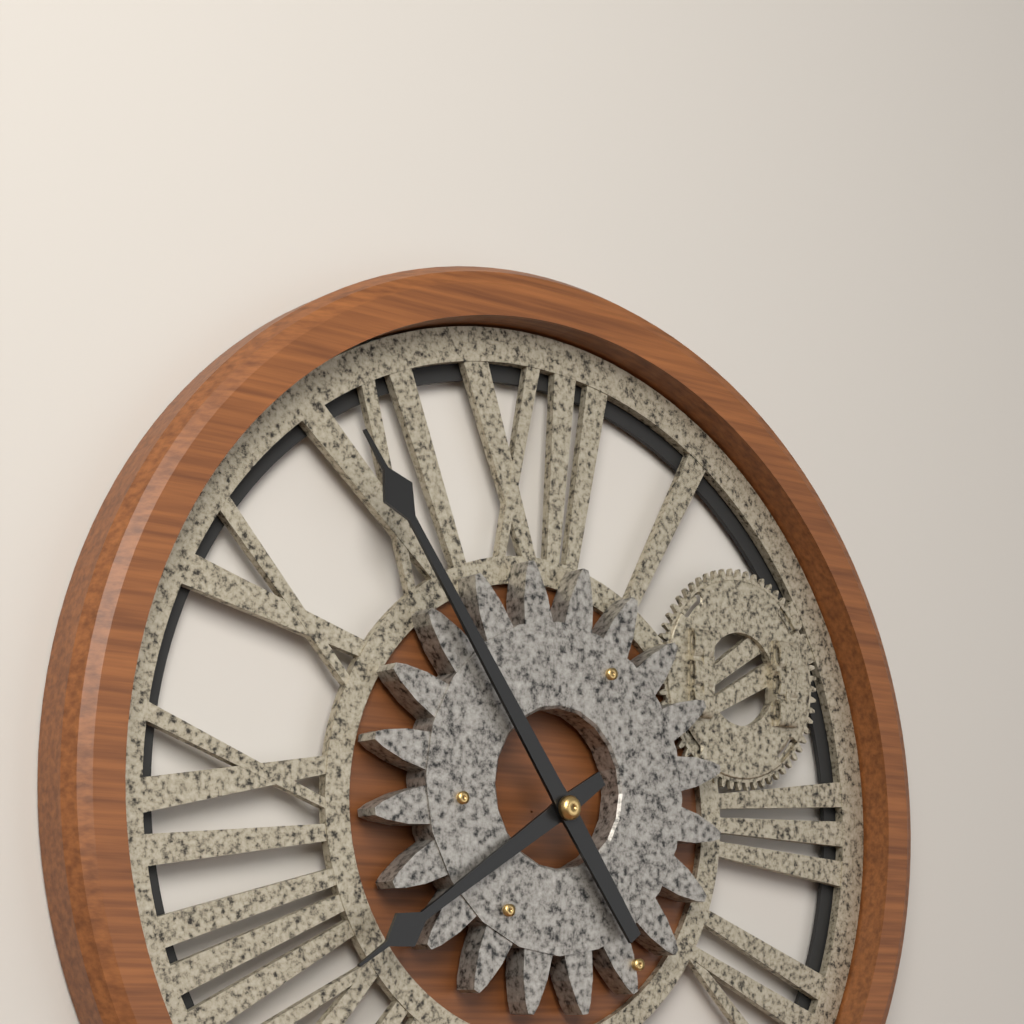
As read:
7:54
